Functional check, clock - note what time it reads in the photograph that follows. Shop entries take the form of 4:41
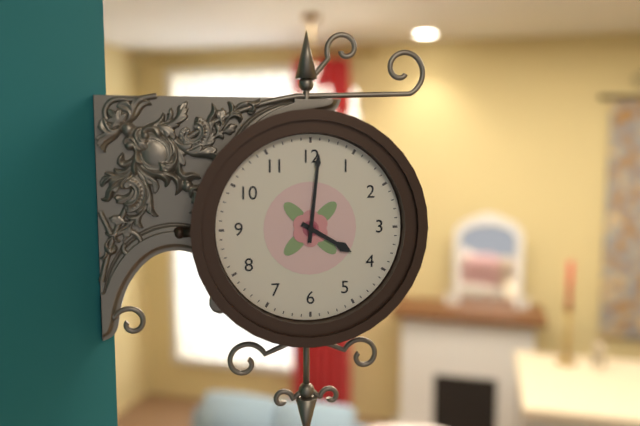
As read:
4:01
